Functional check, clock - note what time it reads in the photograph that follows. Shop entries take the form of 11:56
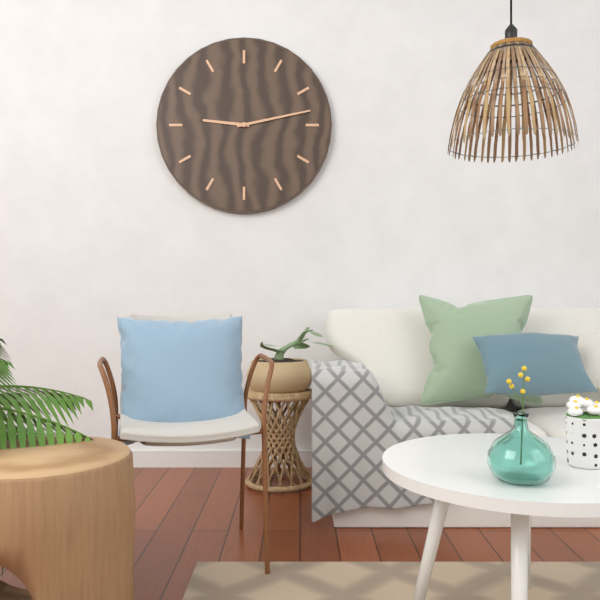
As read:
9:13
